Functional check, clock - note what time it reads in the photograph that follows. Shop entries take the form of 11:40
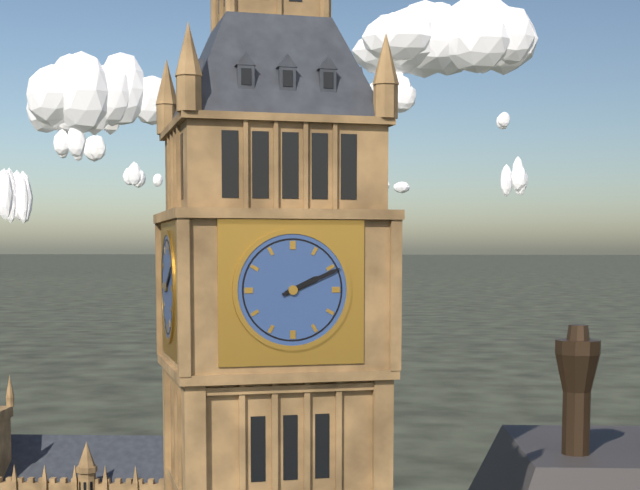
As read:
2:11
